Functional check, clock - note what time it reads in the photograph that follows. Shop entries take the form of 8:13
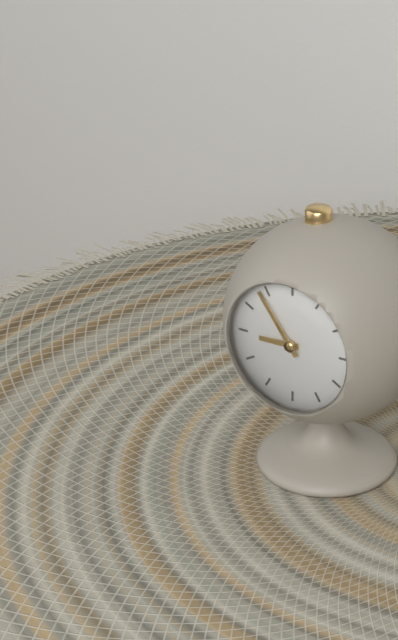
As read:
8:54
